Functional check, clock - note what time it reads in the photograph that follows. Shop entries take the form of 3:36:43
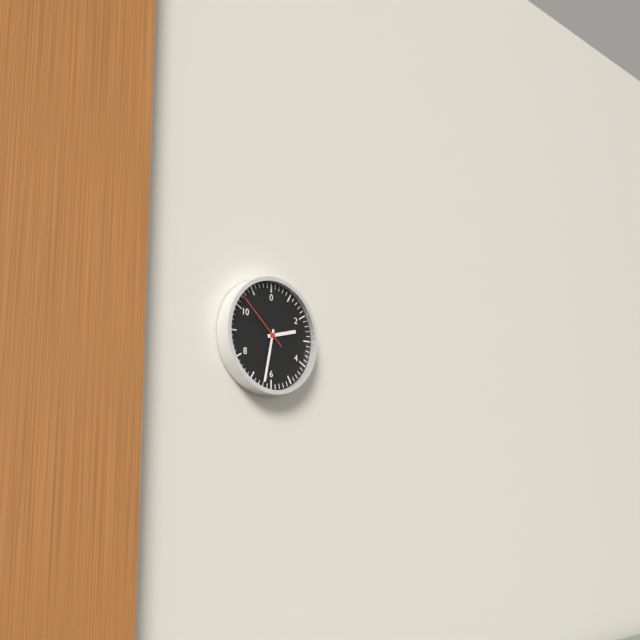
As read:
2:32:52
